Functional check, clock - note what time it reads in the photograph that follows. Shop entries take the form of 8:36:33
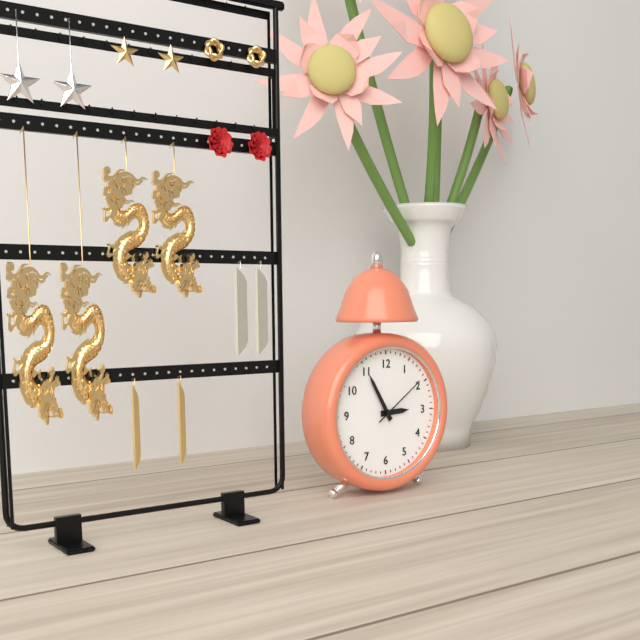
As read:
2:55:09
